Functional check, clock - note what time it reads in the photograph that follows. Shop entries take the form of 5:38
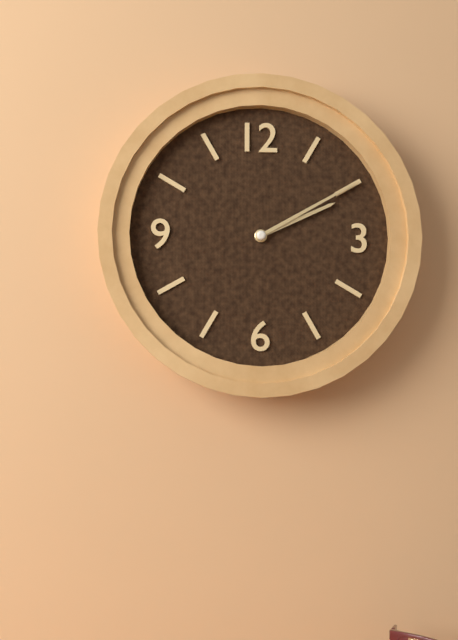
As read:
2:10
